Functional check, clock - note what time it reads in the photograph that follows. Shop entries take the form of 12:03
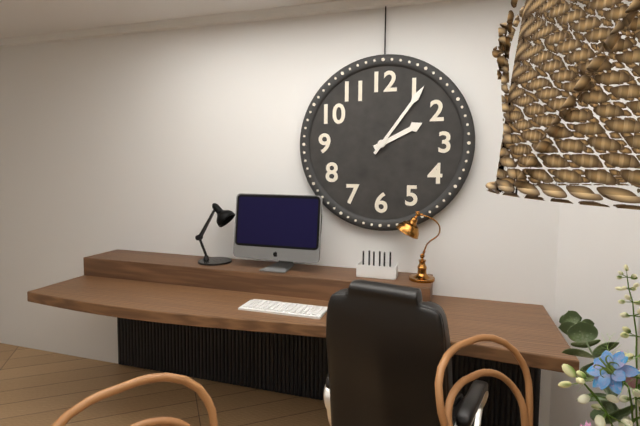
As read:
2:06
